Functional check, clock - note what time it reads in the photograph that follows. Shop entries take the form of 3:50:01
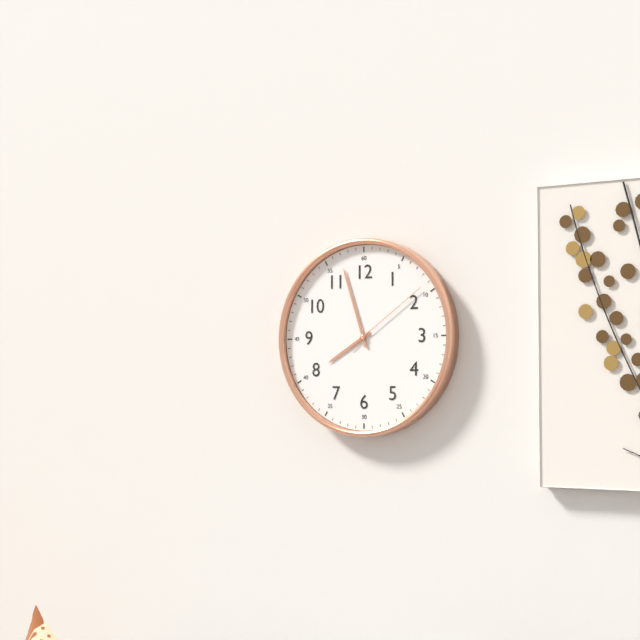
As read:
7:57:09
